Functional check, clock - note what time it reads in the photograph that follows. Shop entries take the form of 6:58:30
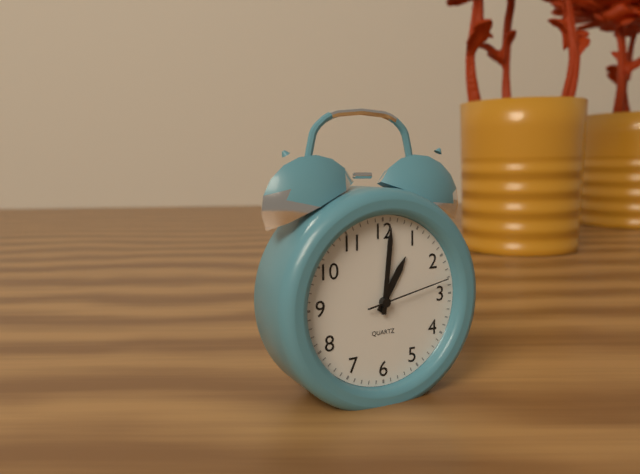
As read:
1:01:13
